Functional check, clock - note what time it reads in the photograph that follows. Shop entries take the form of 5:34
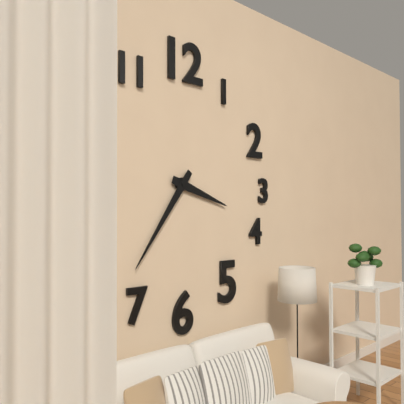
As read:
3:36
